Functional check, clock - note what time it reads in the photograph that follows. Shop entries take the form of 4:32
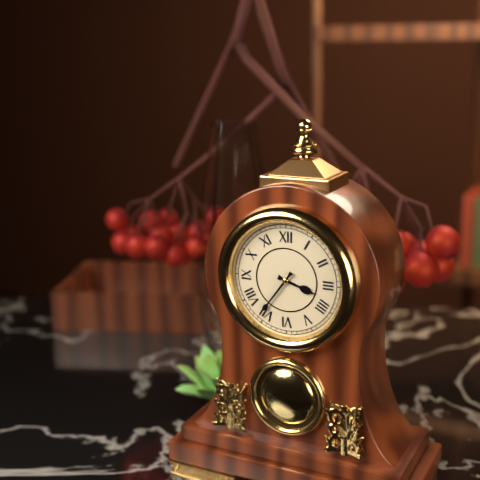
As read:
3:36
